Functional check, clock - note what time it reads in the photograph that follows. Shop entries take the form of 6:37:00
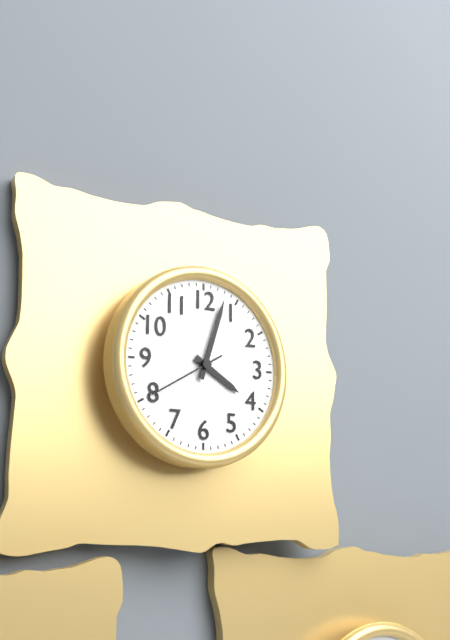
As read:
4:03:40
